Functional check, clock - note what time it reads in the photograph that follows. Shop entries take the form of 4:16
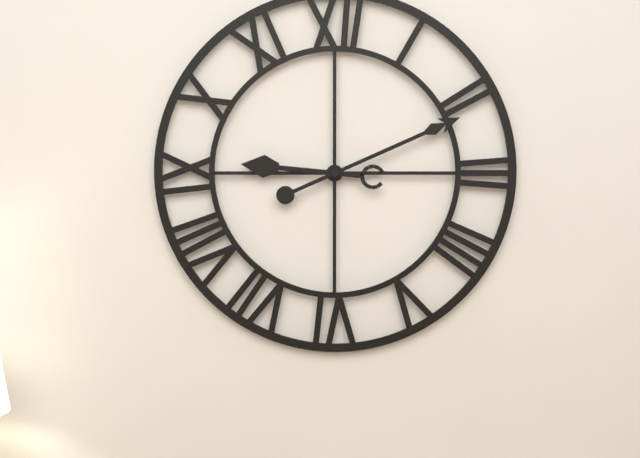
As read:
9:11
